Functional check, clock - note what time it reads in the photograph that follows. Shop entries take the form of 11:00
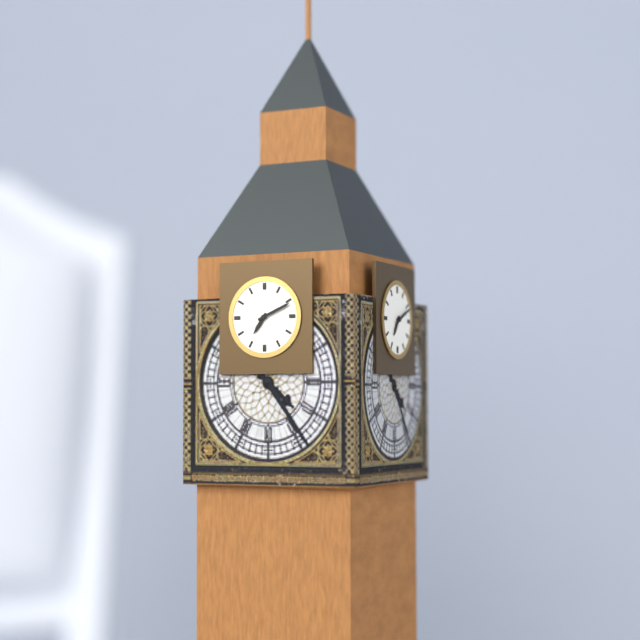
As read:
7:11
